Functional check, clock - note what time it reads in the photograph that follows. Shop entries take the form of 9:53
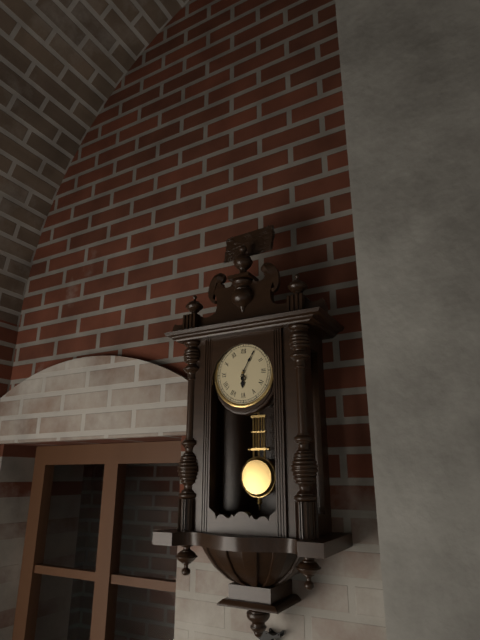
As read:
6:05
